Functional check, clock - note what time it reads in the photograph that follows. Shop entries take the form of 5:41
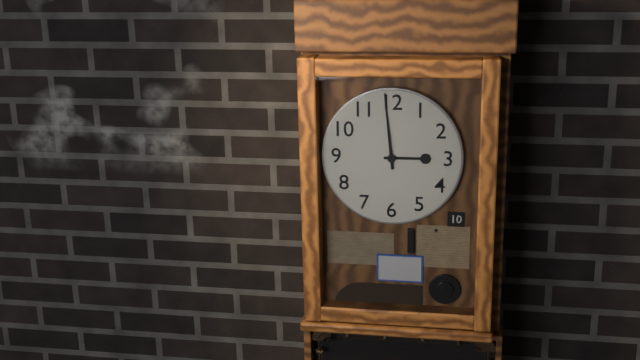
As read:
2:59
